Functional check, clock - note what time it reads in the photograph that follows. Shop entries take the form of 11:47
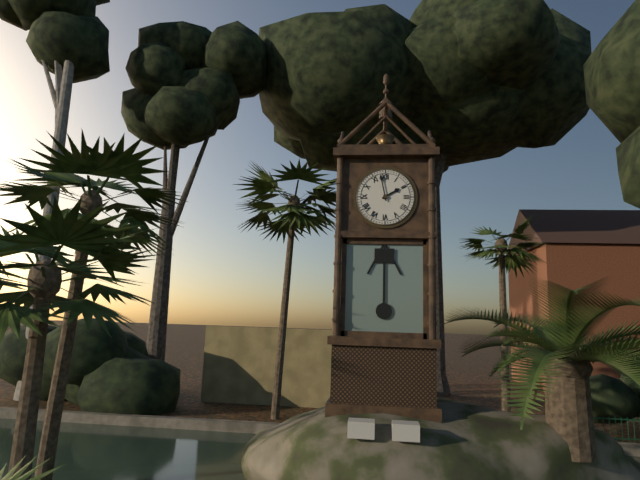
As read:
1:58
